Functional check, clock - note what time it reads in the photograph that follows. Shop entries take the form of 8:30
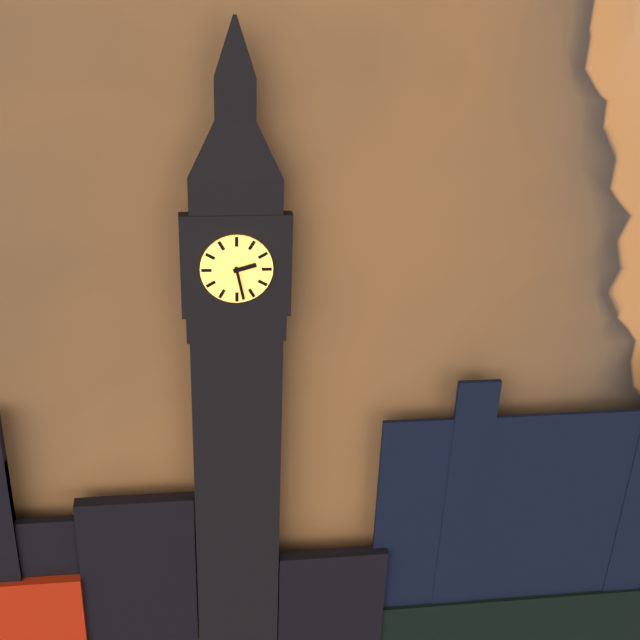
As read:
2:28
